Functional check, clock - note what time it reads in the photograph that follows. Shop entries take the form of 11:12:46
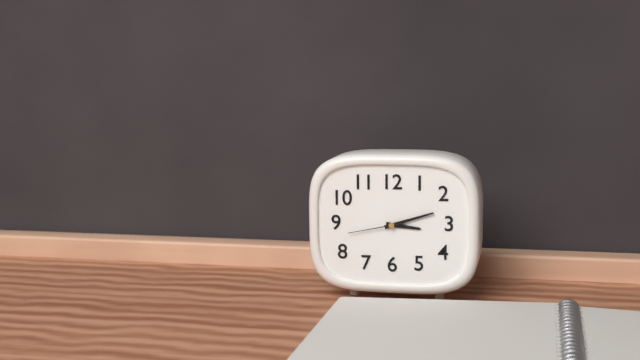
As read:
3:12:43
